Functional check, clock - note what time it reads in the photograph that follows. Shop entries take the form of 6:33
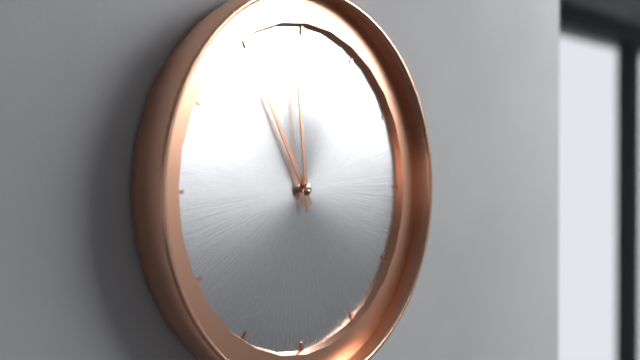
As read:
10:59
